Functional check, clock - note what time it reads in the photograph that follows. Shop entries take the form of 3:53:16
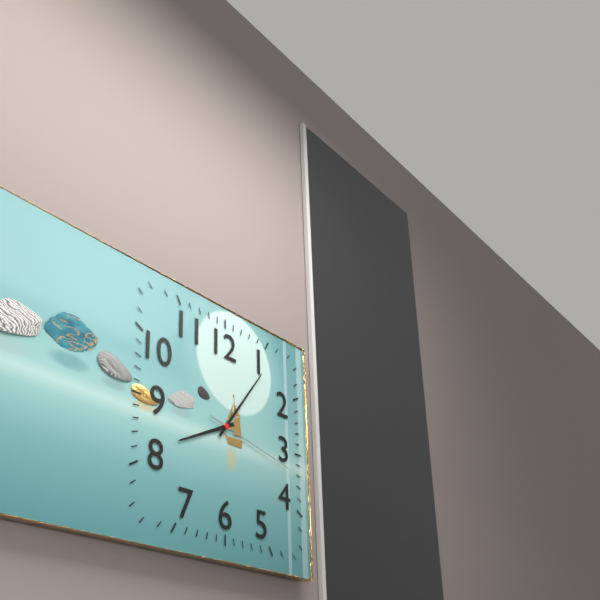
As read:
8:06:17
